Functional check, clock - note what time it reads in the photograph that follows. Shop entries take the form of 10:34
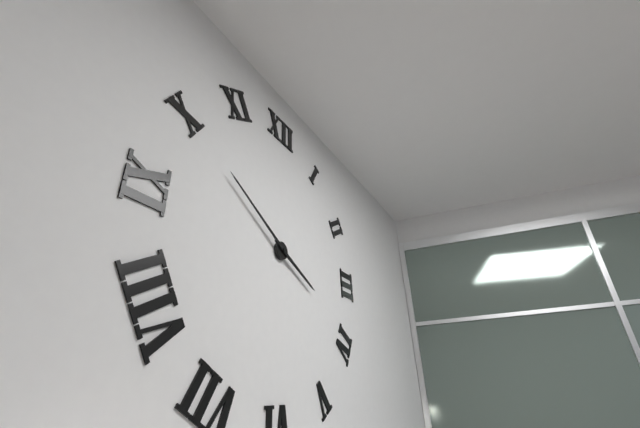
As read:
3:50
